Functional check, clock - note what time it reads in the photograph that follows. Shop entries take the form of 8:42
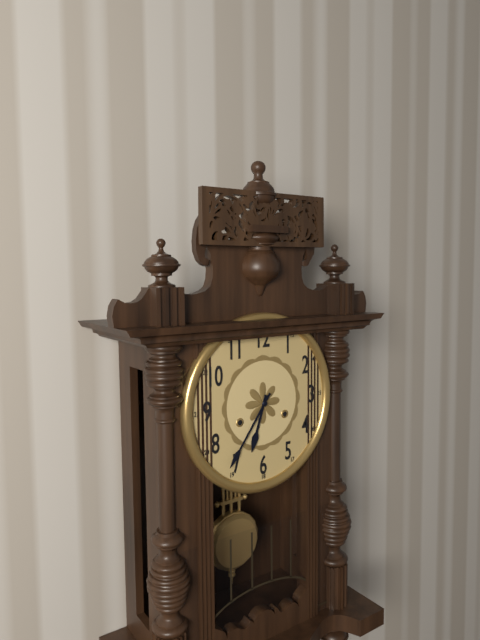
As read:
6:36
